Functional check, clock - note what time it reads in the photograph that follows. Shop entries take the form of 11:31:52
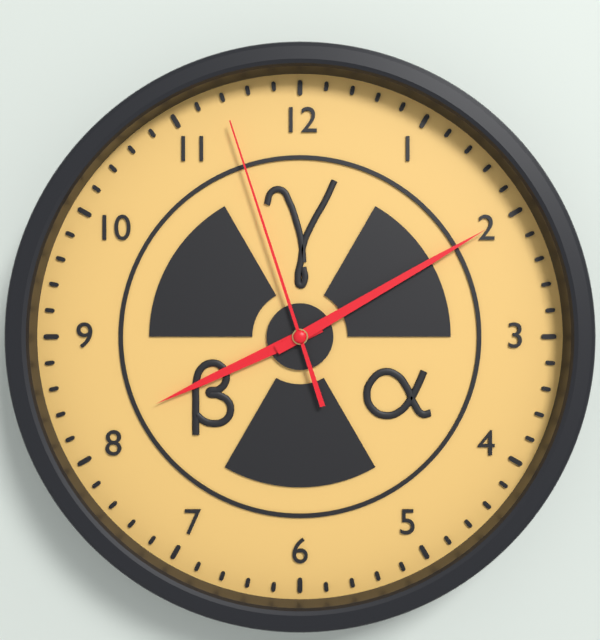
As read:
8:10:57
